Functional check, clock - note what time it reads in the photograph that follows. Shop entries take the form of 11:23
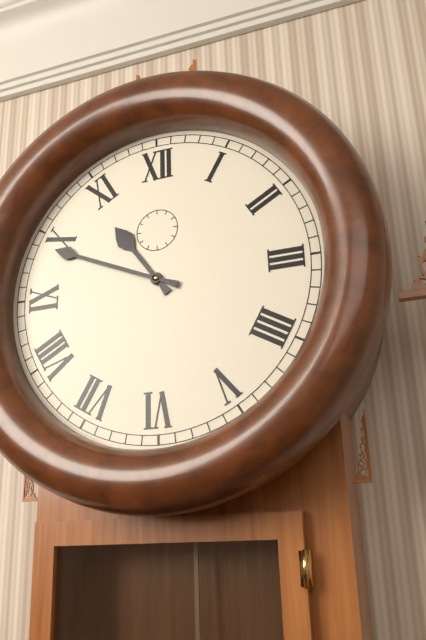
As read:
10:49
